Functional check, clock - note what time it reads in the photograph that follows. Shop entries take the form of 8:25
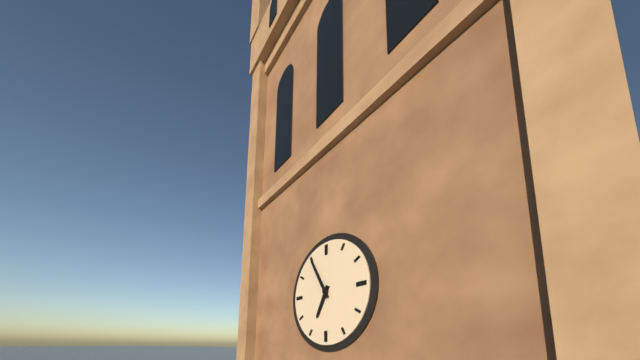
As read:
6:55
